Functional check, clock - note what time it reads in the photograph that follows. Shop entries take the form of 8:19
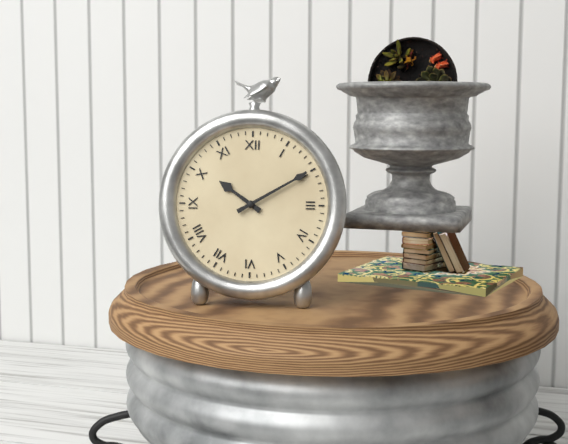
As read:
10:10
